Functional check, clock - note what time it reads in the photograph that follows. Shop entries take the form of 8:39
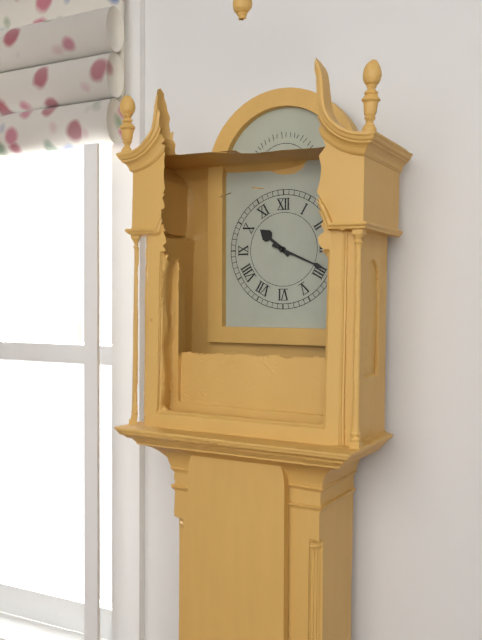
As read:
10:19
